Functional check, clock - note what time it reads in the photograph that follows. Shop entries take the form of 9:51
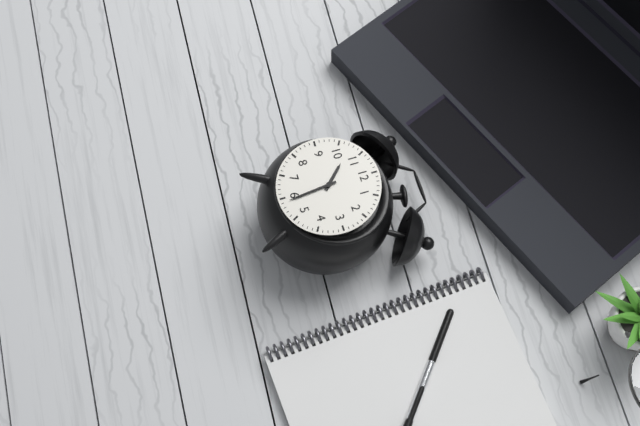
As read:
10:29
